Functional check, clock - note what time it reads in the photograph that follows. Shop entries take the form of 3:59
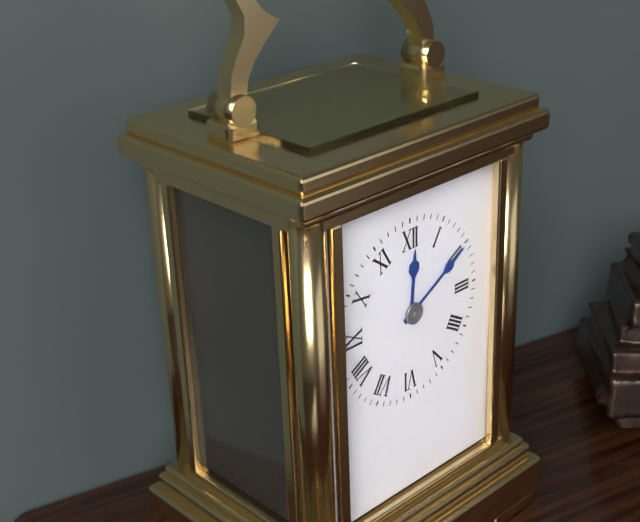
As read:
12:10
